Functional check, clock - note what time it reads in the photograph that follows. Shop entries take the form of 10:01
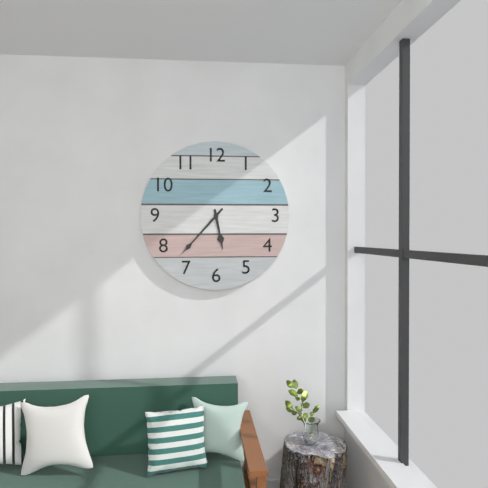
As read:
5:37
